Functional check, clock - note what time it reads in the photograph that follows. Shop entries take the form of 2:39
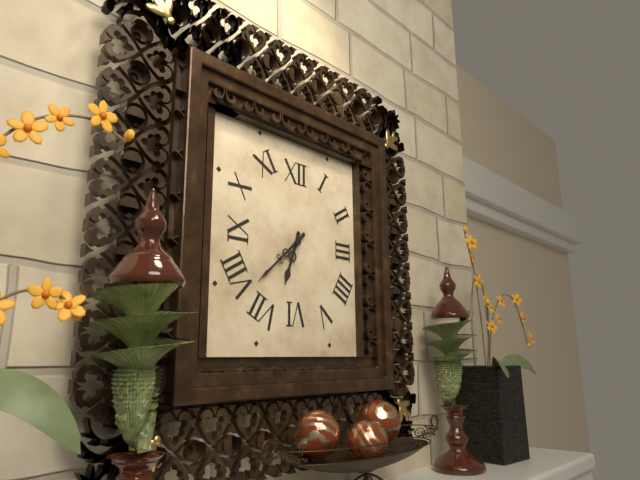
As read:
6:38
